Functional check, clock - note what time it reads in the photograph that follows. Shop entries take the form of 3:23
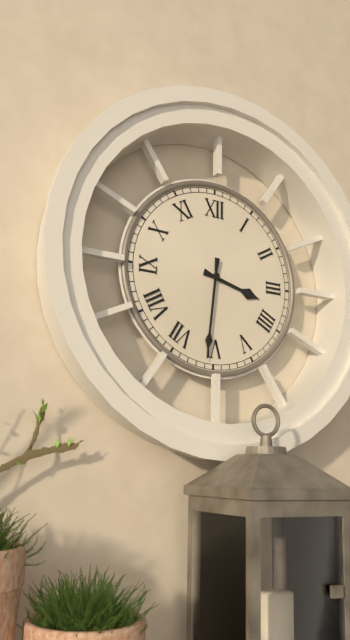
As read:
3:31
